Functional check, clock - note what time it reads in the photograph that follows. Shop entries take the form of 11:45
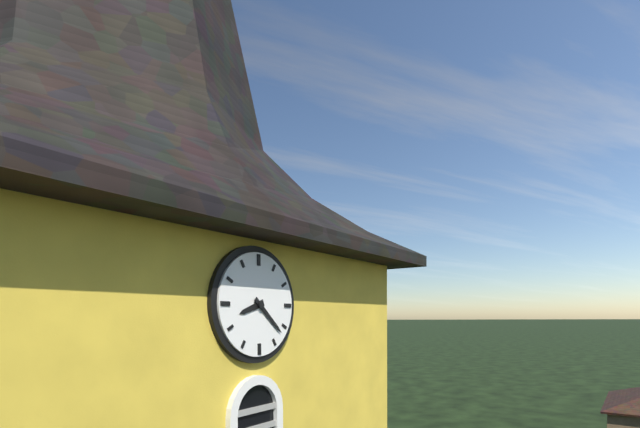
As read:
8:22
